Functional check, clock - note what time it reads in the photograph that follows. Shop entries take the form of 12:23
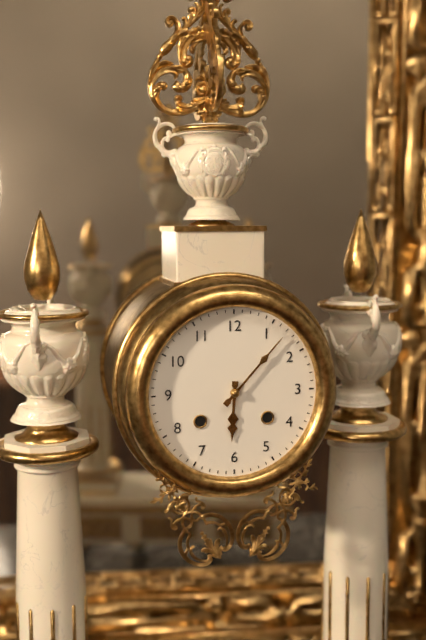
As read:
6:07
